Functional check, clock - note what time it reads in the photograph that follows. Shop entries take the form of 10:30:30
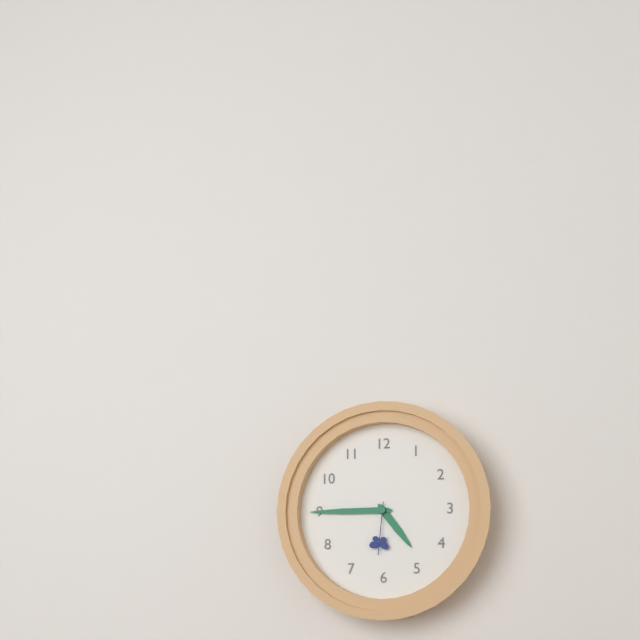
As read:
4:45:31
